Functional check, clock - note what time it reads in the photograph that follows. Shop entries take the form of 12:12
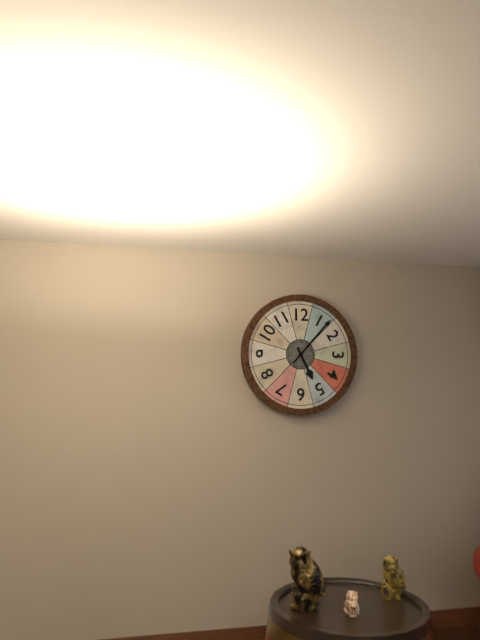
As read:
5:07
